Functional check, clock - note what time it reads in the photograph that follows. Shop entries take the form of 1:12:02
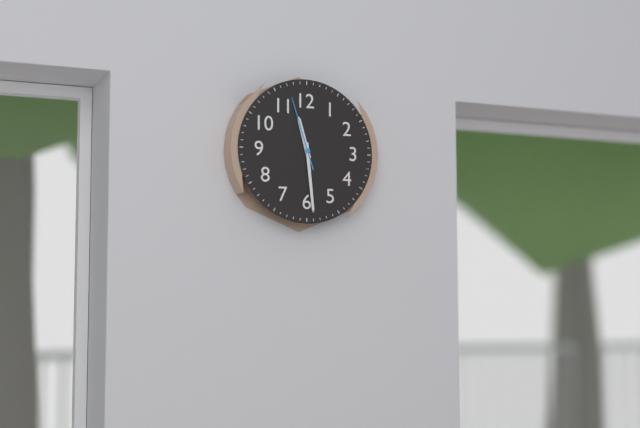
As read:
11:29:57
